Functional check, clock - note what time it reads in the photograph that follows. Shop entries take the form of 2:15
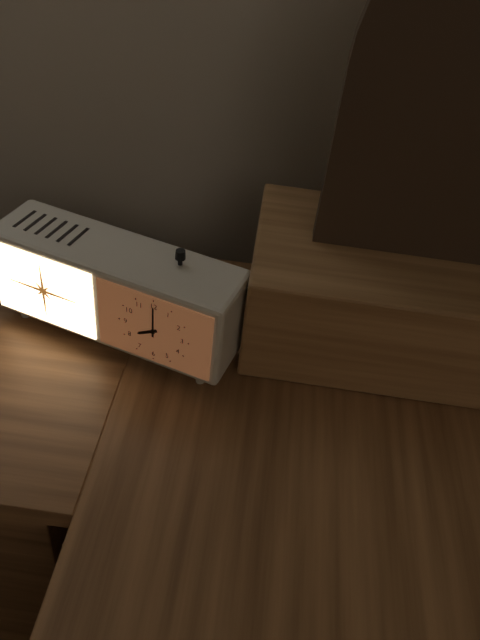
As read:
8:00
